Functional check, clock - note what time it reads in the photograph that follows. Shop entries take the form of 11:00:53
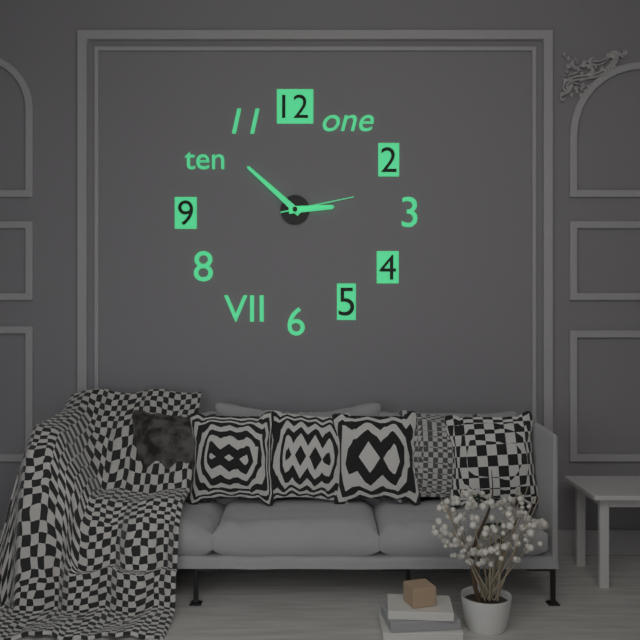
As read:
2:52:13
